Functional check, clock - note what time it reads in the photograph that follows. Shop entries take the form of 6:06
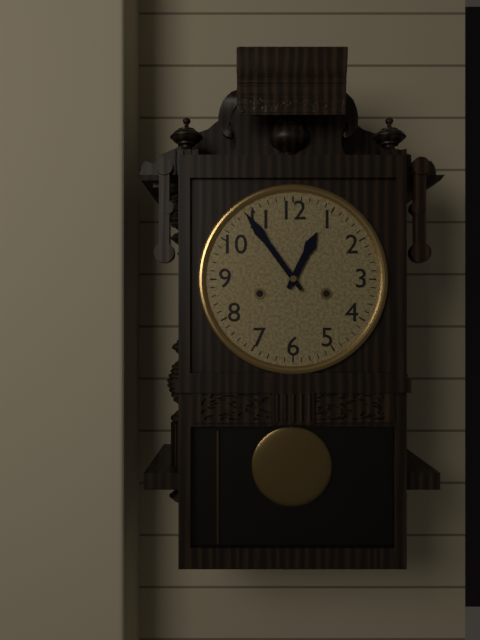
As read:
12:54
